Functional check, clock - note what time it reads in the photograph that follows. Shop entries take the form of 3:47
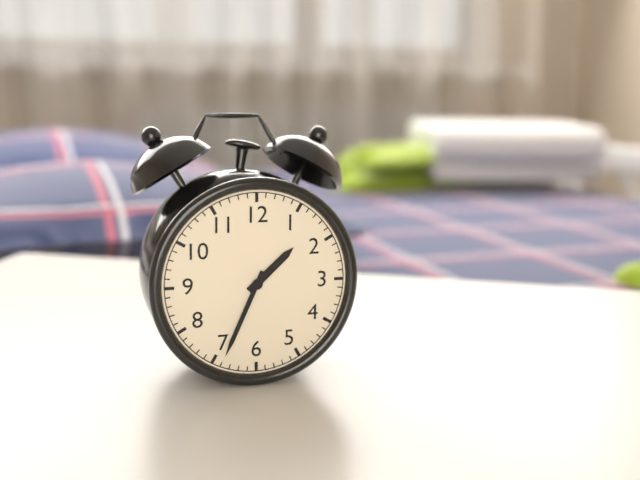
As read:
1:34
